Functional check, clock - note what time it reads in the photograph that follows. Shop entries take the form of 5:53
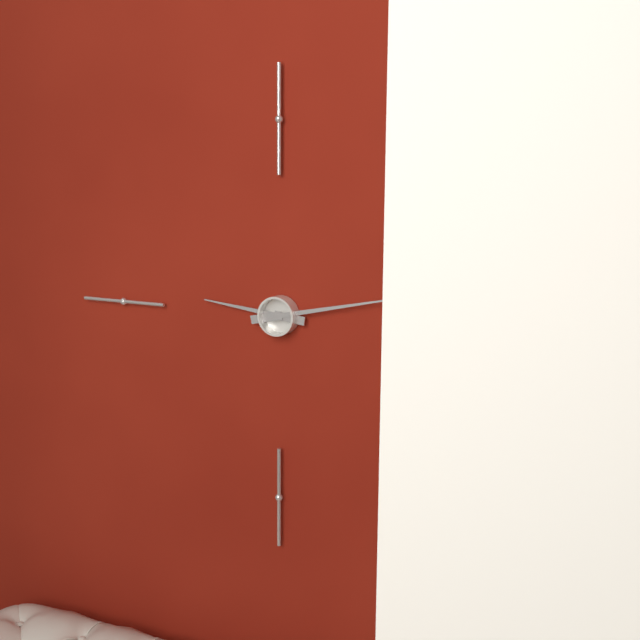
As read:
9:13
